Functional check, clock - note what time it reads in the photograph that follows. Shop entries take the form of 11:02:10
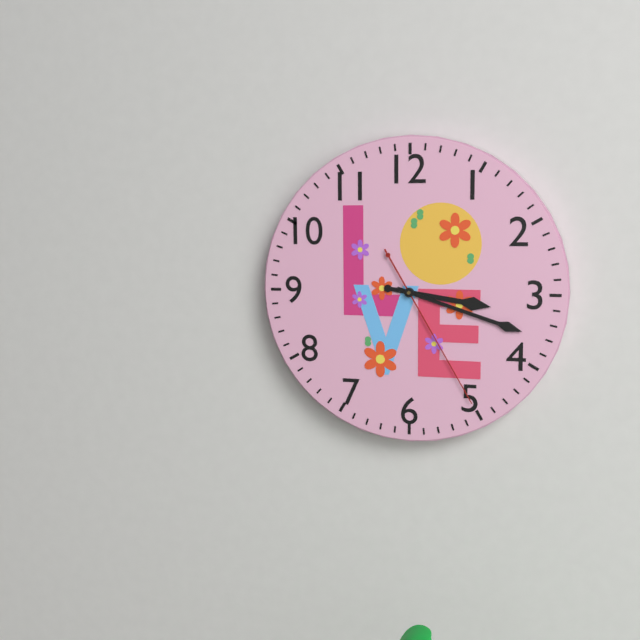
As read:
3:18:25
